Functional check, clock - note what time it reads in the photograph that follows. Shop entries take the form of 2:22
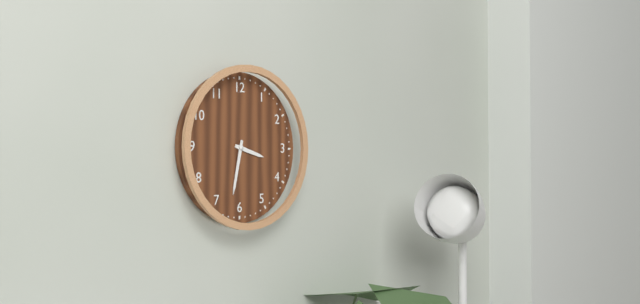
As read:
3:32
